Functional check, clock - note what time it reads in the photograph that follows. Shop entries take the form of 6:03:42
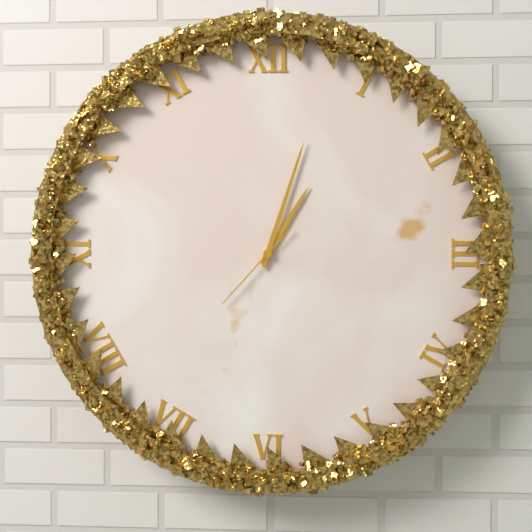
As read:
1:03:37
